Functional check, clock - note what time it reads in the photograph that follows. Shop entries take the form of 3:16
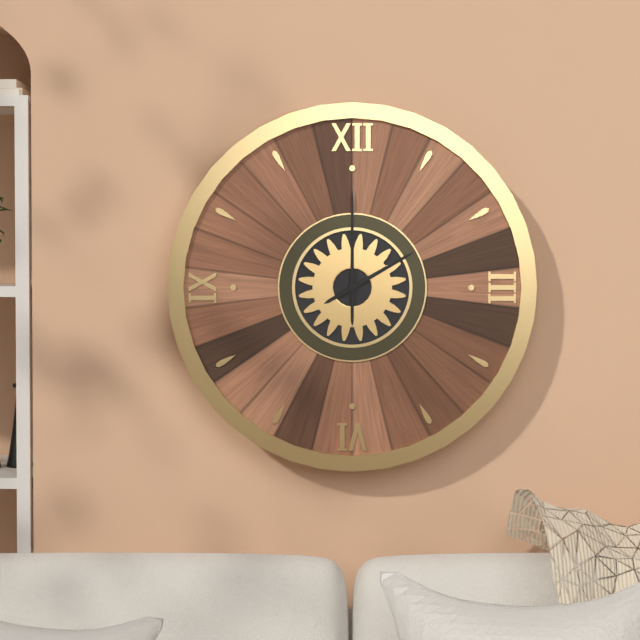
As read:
2:00
